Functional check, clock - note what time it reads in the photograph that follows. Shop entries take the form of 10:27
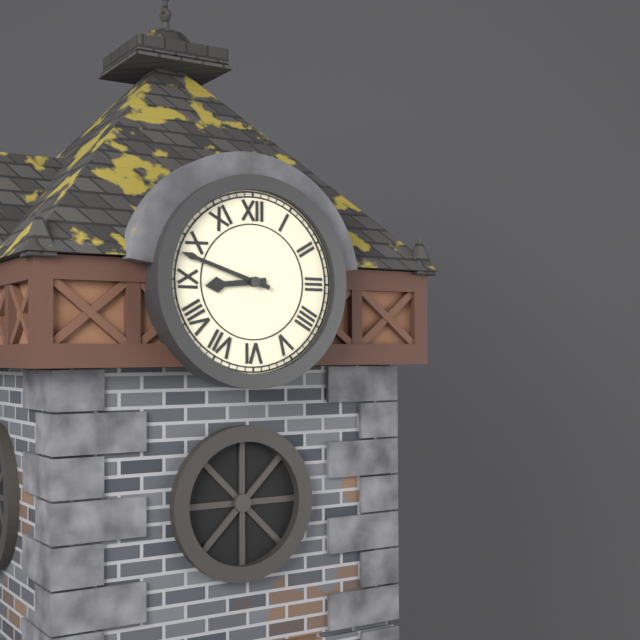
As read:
8:48
